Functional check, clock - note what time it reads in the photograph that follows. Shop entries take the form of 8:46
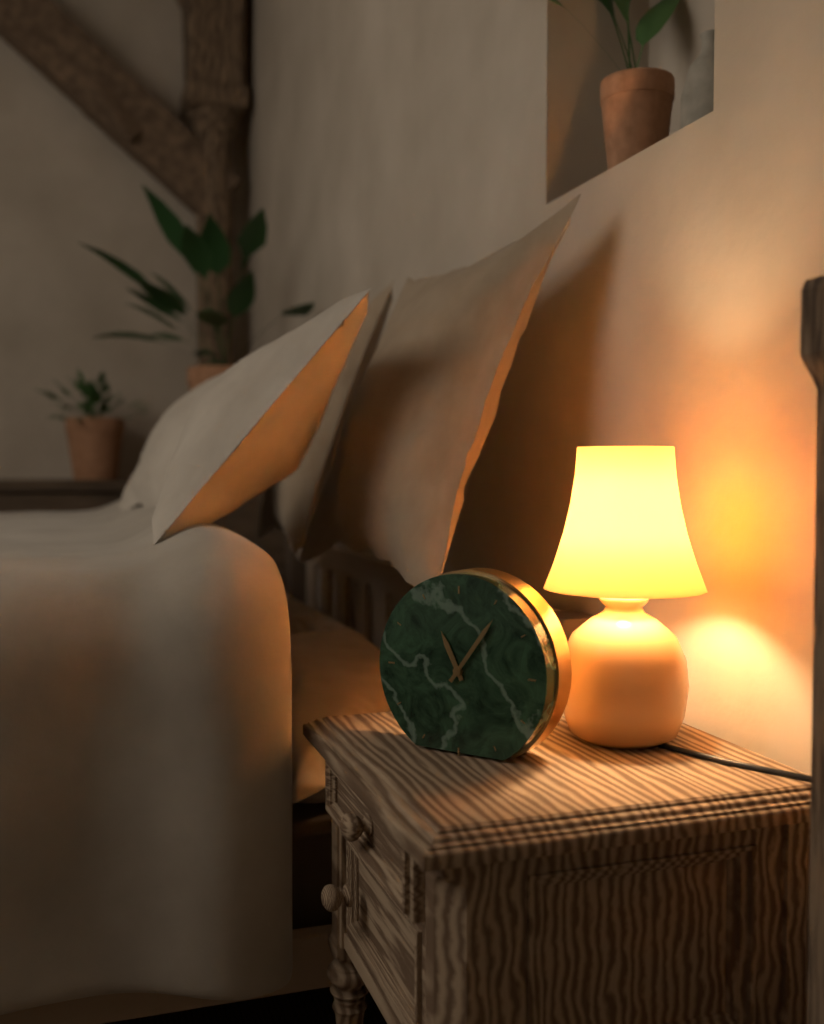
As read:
11:06
